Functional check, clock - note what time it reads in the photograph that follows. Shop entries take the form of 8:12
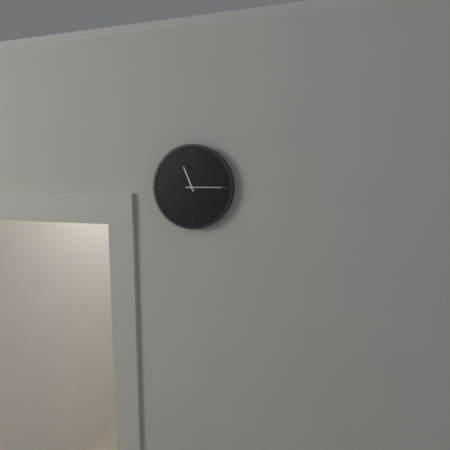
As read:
11:15
